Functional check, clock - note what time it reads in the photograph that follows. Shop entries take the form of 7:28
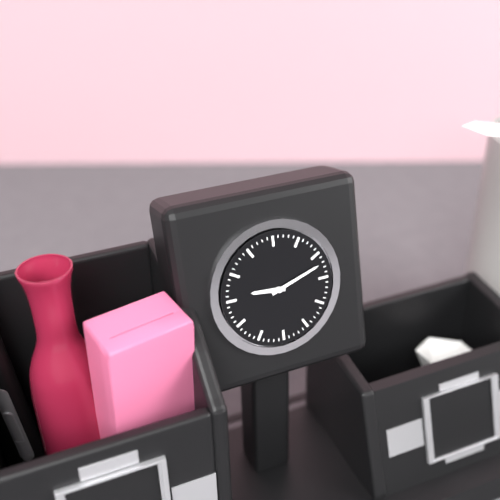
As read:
9:12
